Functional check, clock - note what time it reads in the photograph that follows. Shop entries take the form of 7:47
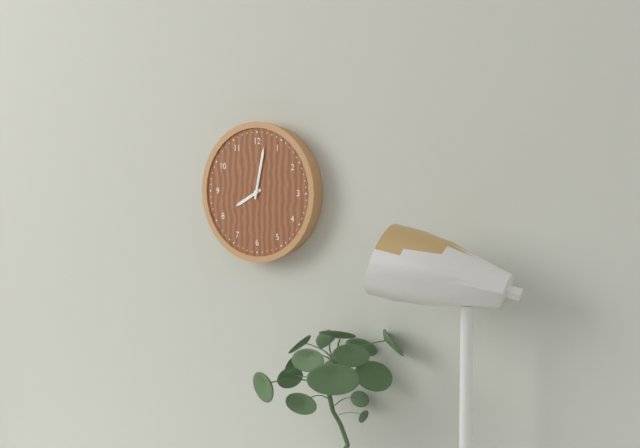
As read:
8:02
